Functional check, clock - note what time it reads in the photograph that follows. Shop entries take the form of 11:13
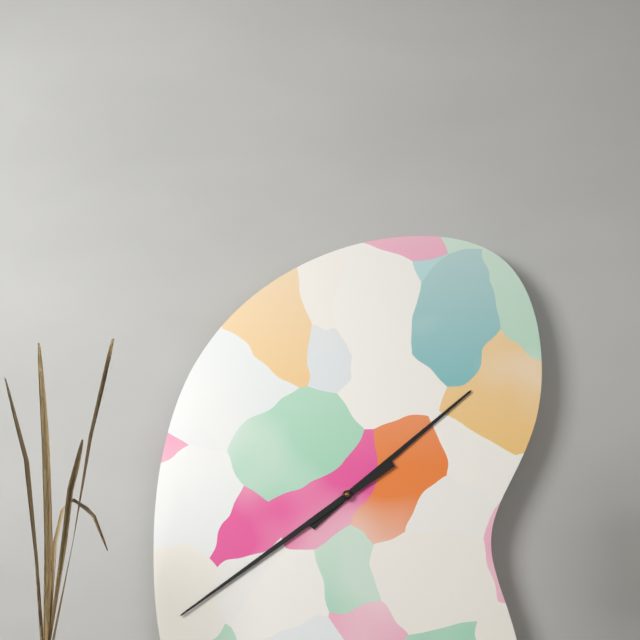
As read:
1:39
